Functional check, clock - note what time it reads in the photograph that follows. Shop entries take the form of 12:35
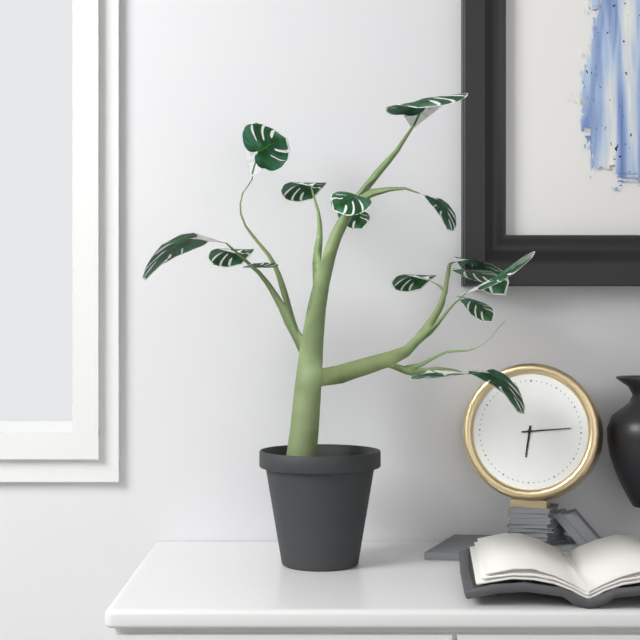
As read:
6:14
